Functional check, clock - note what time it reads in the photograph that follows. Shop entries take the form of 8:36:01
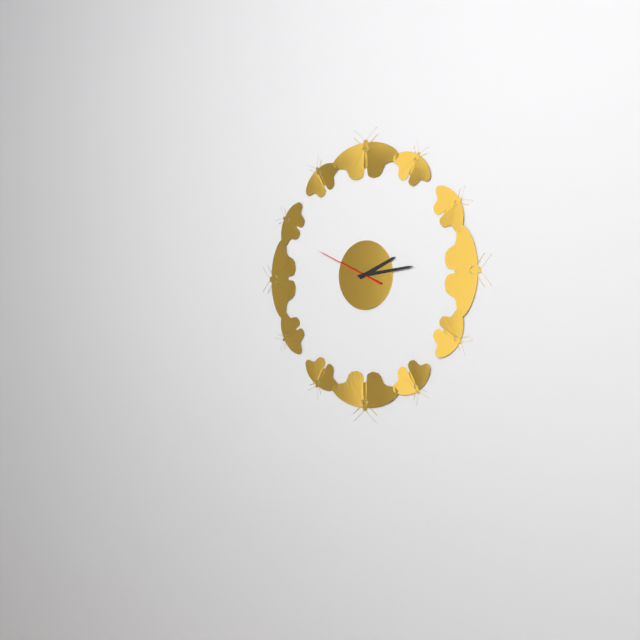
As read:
2:14:49
